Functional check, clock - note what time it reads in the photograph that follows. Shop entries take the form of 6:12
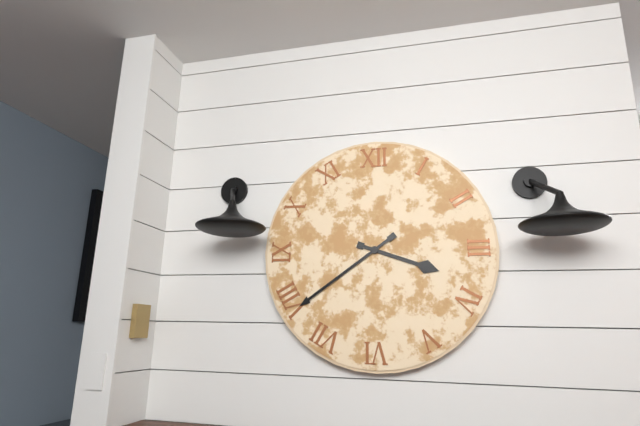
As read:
3:39
